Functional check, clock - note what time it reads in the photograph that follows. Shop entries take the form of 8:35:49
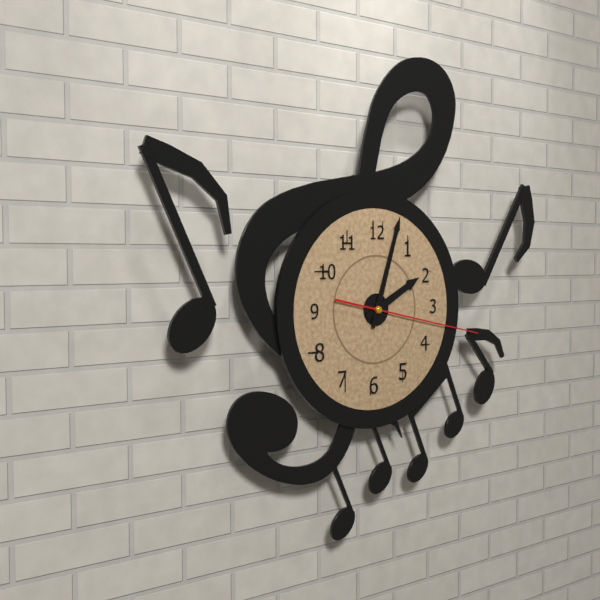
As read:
2:03:17
